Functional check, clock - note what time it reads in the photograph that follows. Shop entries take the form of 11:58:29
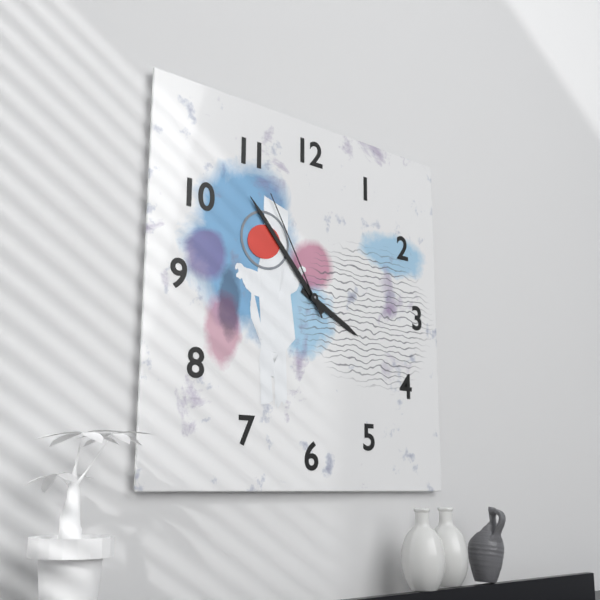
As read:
3:53:55
